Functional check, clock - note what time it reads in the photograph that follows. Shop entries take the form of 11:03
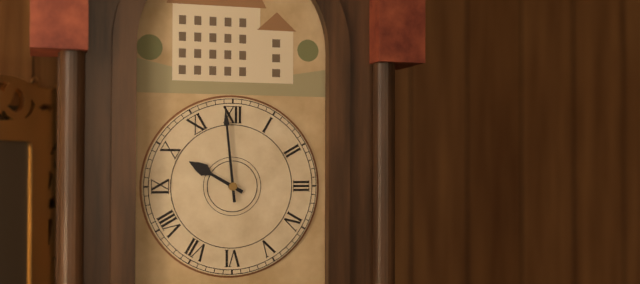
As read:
9:59
